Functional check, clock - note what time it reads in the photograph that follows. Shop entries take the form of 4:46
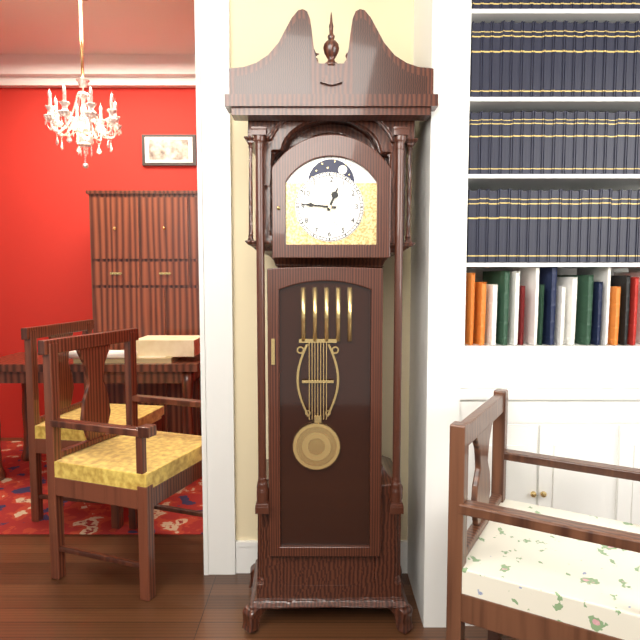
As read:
12:46
